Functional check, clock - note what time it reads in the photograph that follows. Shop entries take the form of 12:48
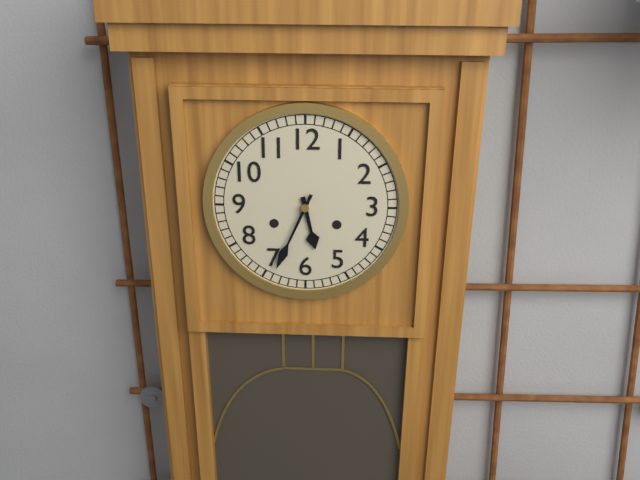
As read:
5:34
